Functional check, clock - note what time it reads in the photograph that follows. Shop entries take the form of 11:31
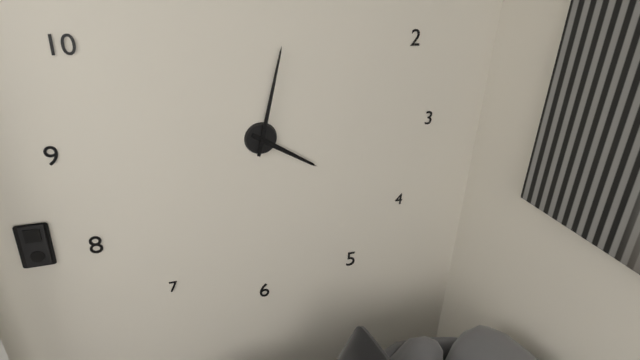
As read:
4:02
